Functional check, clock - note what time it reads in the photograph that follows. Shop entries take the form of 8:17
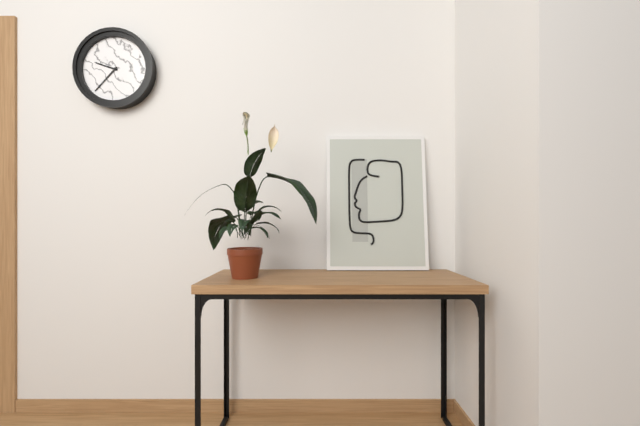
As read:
9:37
